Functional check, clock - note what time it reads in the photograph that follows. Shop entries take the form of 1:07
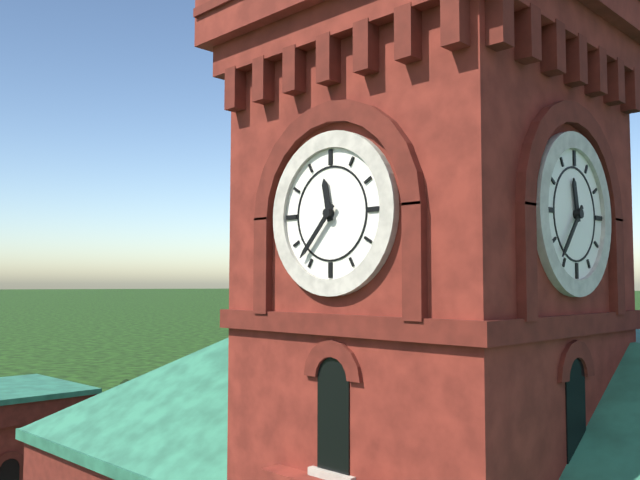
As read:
11:37
